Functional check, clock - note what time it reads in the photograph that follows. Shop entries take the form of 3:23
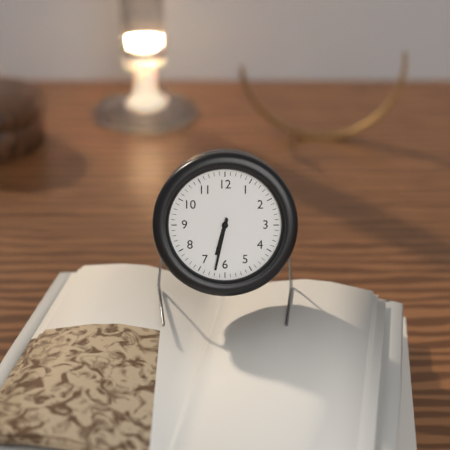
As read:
6:32
